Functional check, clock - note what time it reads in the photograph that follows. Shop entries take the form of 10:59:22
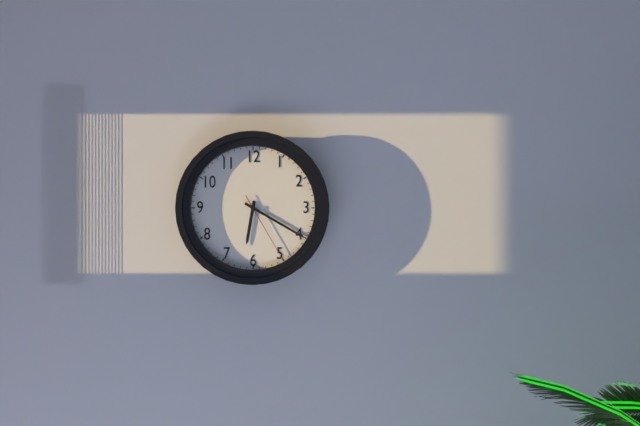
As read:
6:20:25
